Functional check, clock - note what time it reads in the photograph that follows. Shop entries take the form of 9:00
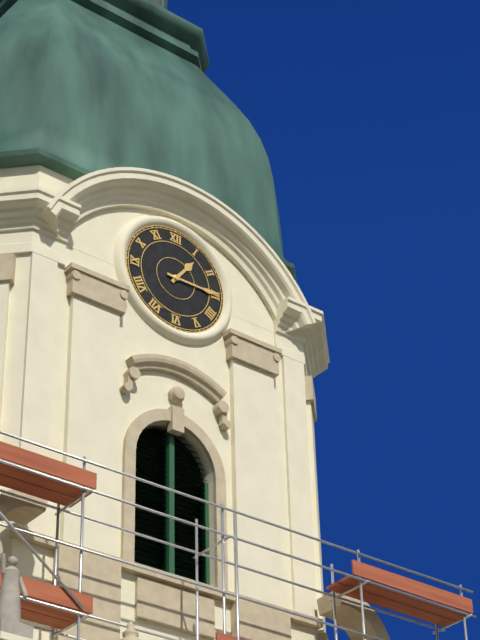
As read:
1:15
